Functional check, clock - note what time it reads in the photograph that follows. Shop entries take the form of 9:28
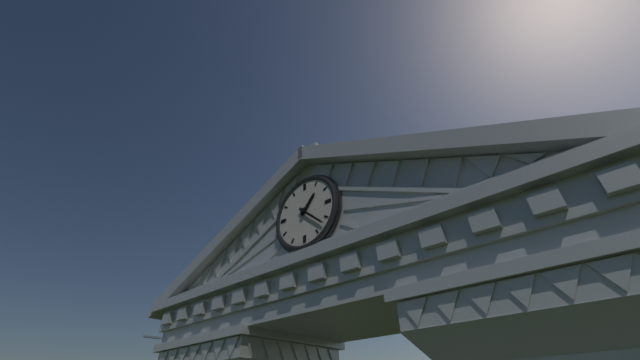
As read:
1:22
